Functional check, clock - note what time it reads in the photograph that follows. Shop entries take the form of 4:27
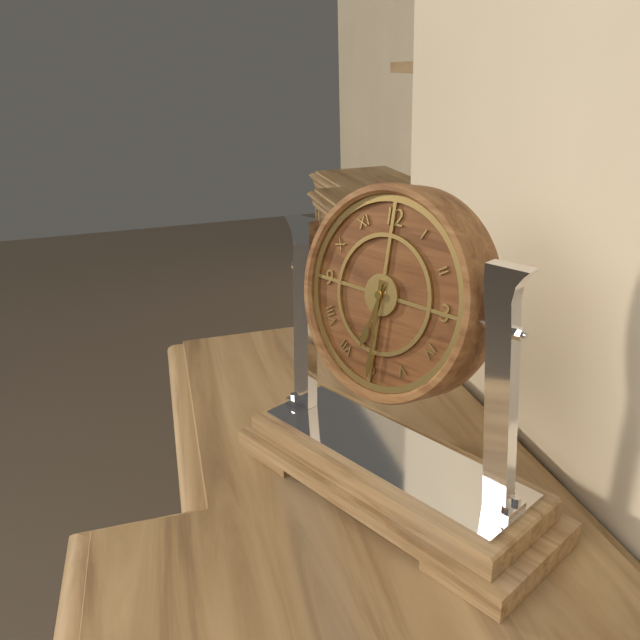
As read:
6:30
